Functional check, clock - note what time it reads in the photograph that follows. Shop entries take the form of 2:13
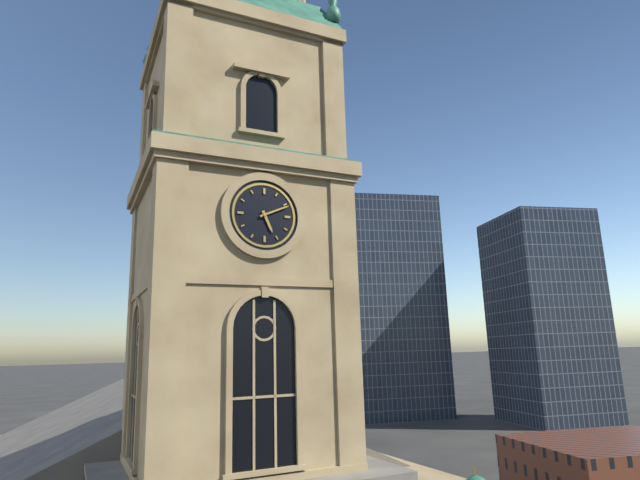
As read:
5:11
